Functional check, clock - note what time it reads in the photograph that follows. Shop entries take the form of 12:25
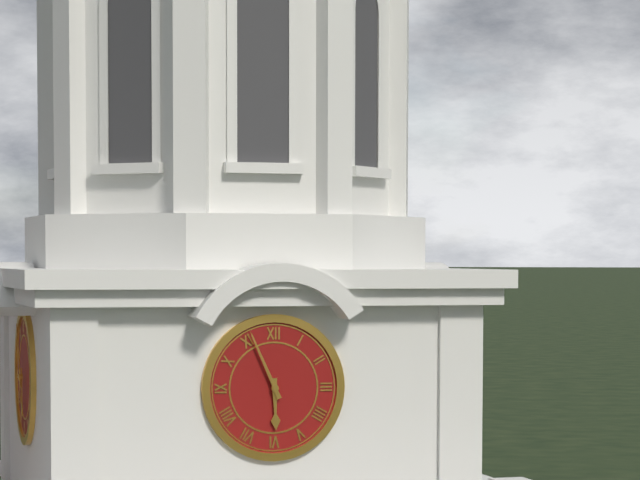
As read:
5:56
